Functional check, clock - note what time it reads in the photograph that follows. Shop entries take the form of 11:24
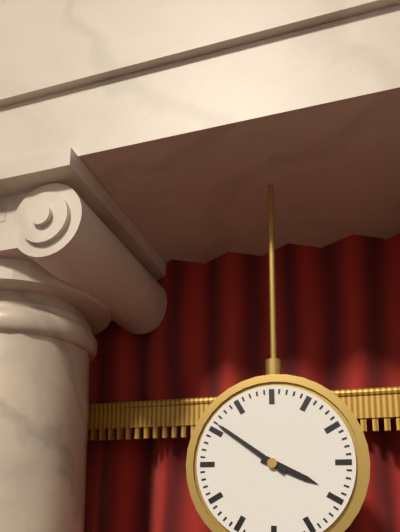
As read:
3:51
